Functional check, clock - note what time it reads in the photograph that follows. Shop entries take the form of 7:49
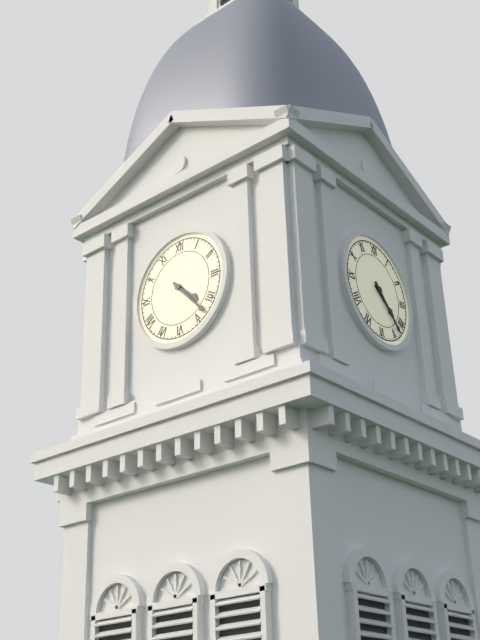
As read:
4:23
